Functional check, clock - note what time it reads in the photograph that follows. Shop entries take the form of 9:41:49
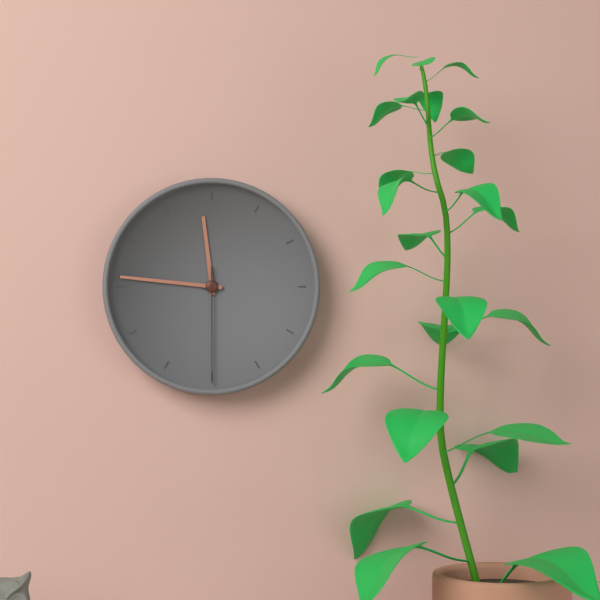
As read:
11:46:30
